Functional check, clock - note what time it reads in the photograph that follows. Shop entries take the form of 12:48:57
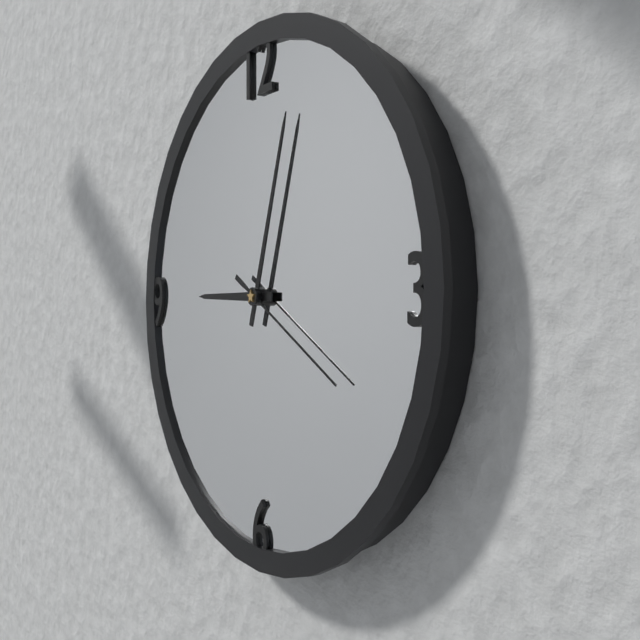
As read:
9:03:20
